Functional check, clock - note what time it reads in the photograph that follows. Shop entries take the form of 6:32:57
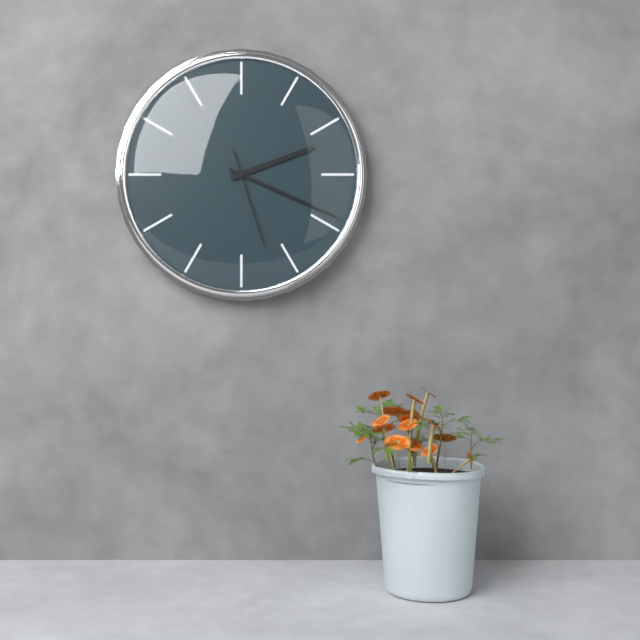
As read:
2:19:27
